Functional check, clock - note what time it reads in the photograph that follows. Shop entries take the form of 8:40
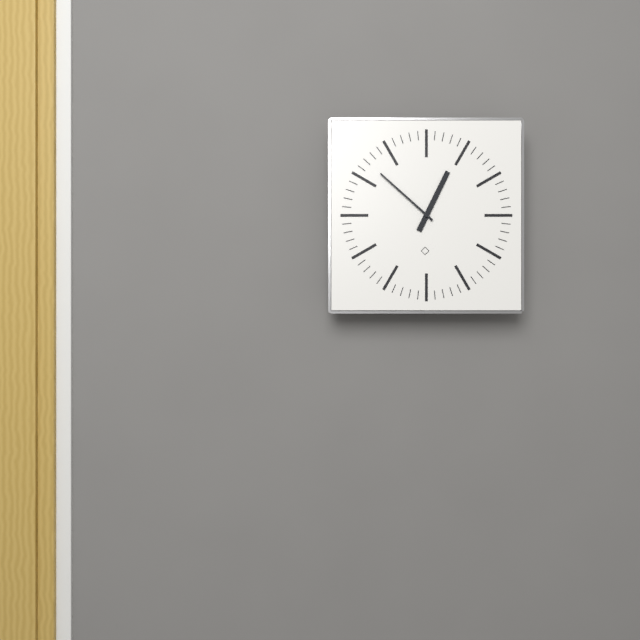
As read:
12:52
